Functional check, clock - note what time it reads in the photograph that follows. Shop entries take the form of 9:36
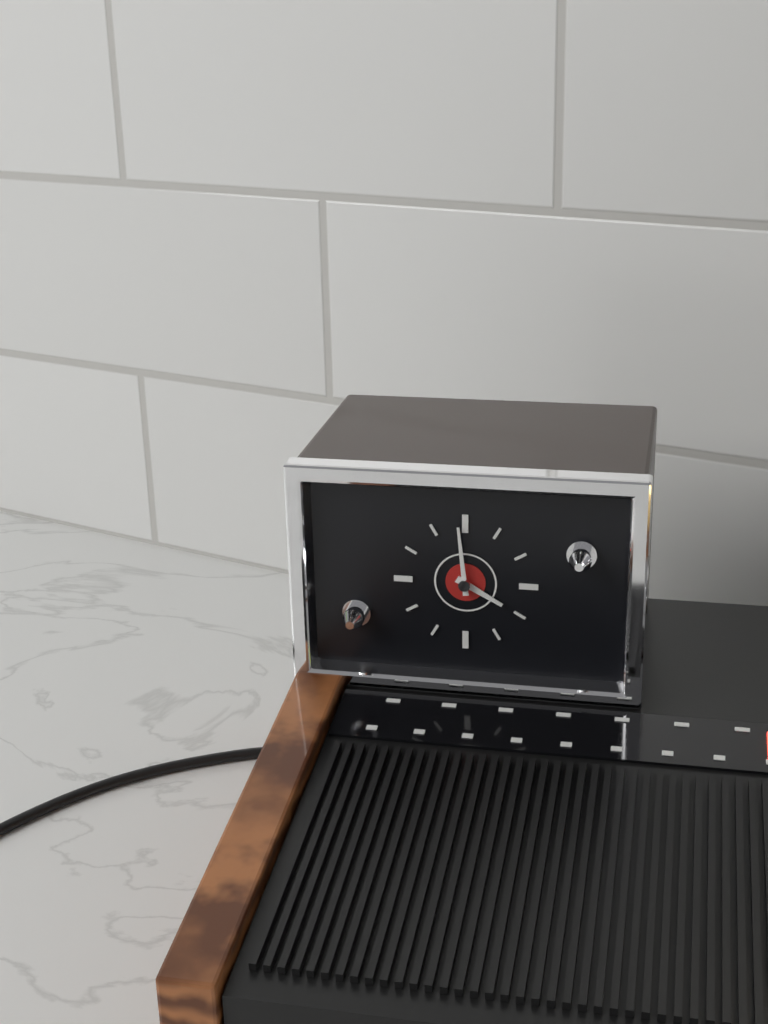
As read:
3:59
